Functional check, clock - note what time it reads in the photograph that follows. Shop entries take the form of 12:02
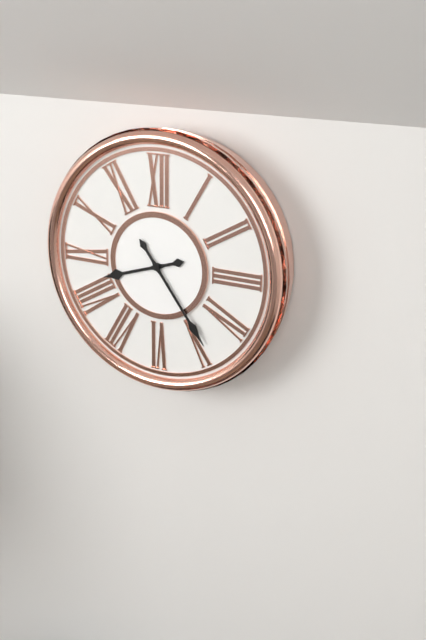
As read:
8:24
